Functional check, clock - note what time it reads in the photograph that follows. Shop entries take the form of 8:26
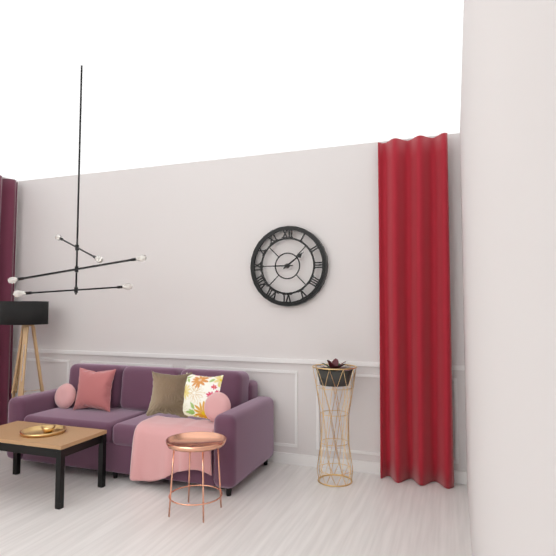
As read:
1:45
